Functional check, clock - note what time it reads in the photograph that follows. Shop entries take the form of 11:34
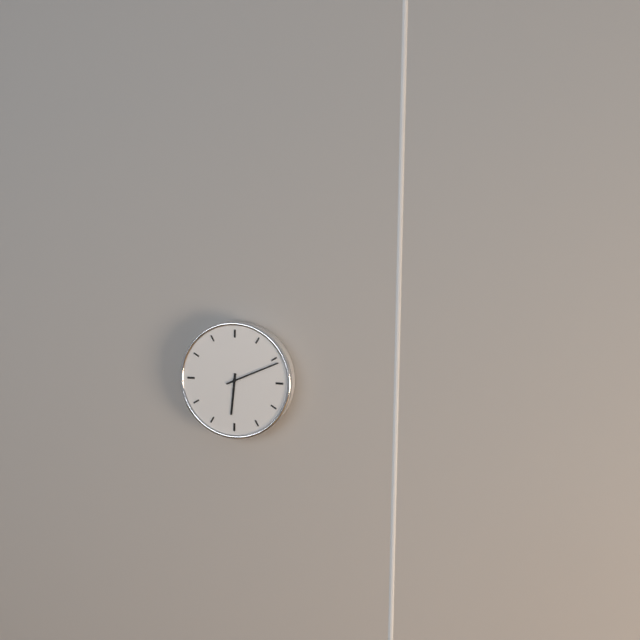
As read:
6:11
